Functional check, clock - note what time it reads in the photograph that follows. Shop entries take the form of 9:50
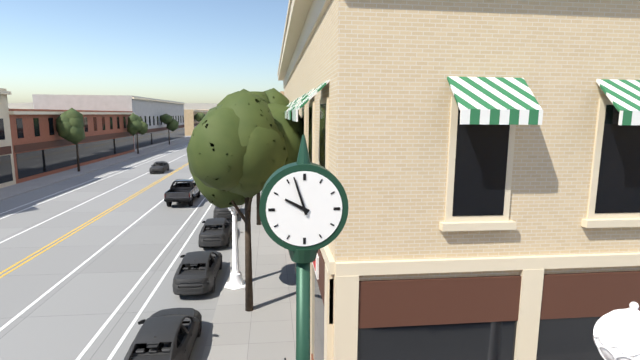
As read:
9:57
